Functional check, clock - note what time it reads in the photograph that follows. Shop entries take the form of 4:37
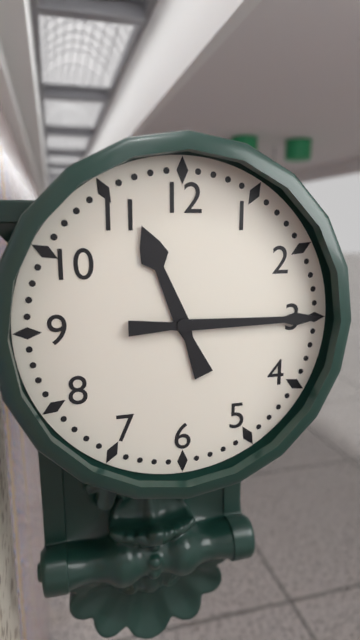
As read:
11:15
